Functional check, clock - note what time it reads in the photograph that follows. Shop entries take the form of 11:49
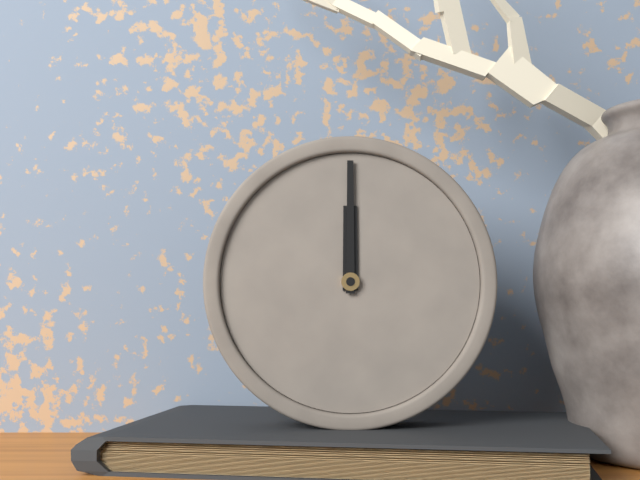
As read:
12:00
